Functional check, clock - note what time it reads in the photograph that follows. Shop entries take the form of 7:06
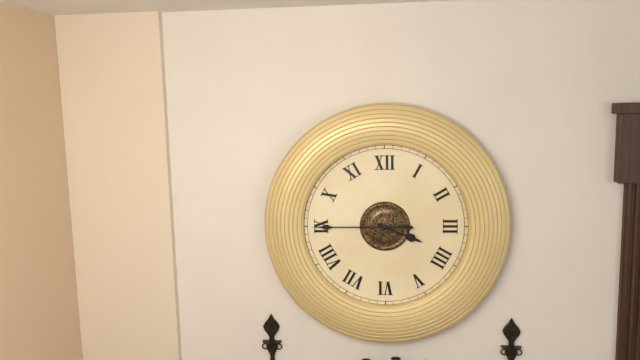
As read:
3:45
